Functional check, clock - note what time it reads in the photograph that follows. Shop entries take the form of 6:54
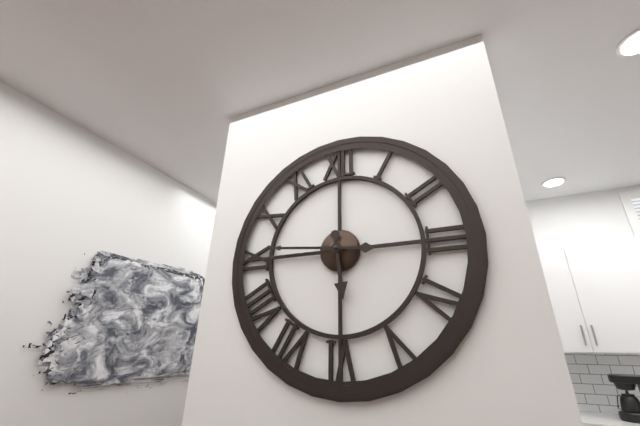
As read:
5:46
